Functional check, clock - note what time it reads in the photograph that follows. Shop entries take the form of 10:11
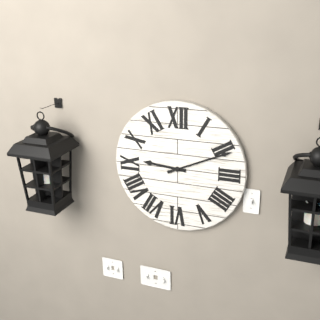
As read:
9:11
